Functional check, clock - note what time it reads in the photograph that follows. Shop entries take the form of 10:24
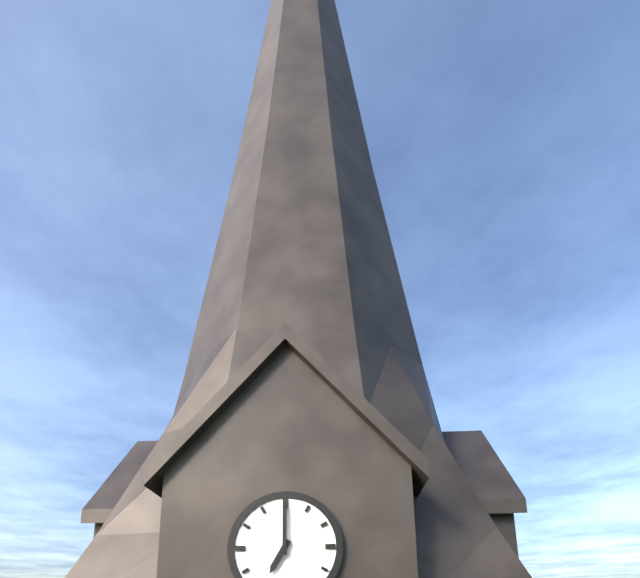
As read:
7:00
